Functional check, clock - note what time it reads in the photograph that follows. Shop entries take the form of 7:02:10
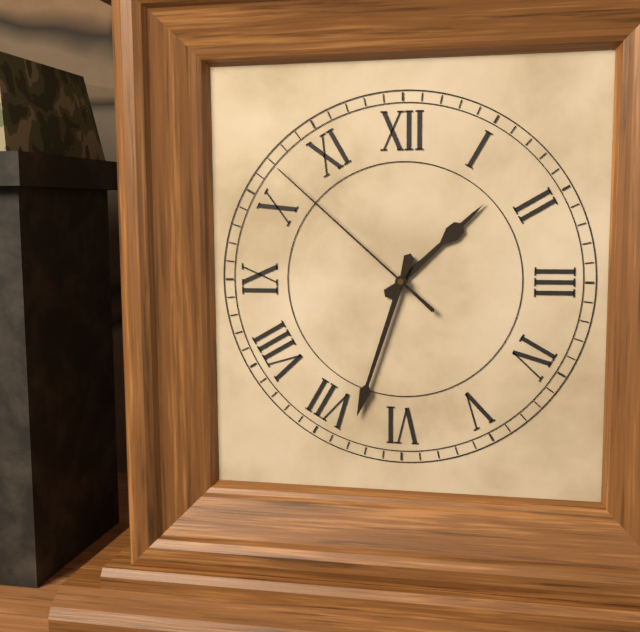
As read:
1:33:52
